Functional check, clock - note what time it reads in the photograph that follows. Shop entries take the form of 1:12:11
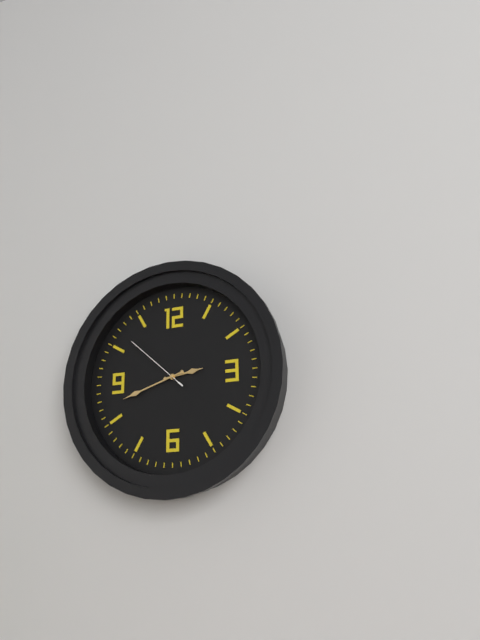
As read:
2:42:52
